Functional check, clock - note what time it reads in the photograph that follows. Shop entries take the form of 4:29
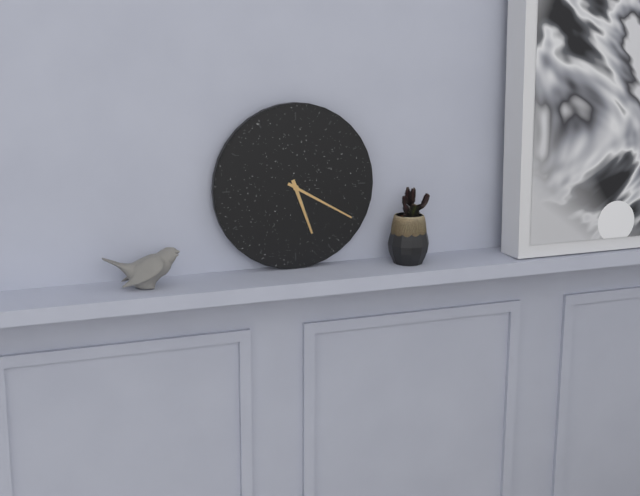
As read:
5:20
